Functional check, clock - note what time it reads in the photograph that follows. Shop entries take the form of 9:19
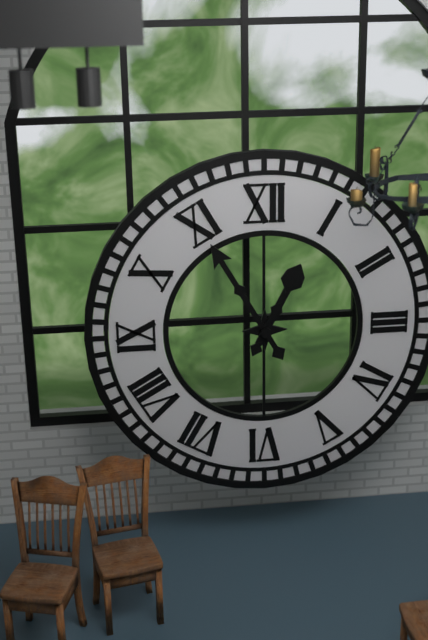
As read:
12:55
